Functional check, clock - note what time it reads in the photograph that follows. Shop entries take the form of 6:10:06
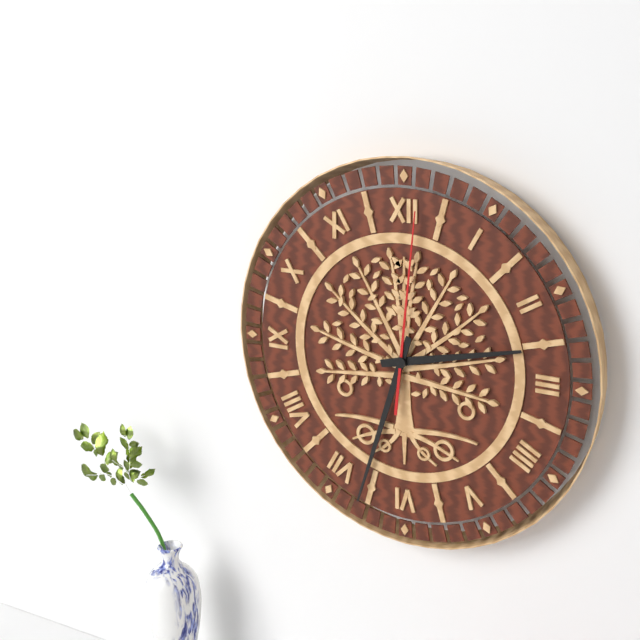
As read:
2:33:01
